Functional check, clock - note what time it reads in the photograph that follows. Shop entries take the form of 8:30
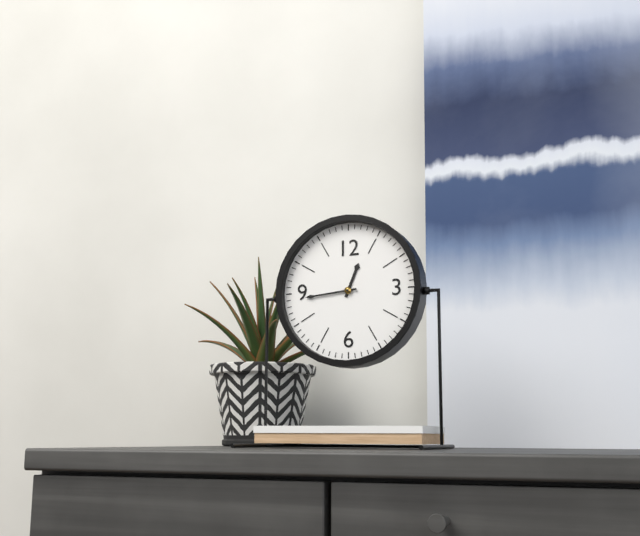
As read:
12:44
